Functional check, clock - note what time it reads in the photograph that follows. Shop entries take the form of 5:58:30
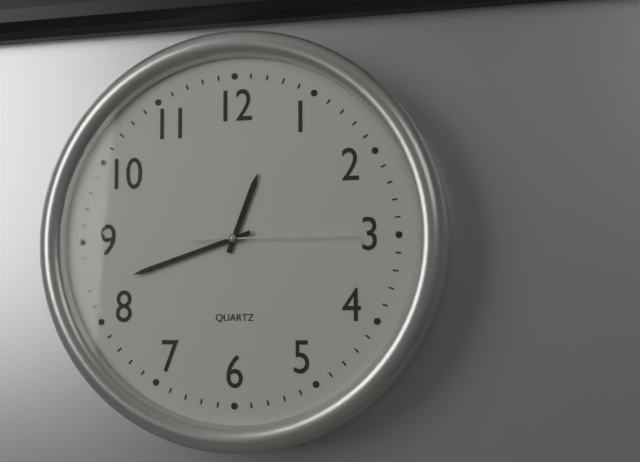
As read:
12:42:15
